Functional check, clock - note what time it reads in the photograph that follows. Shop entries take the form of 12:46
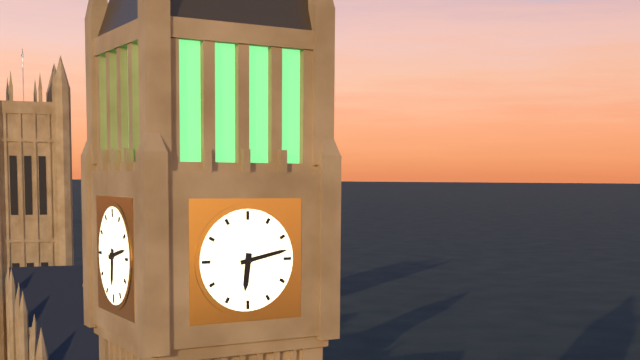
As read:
6:13
